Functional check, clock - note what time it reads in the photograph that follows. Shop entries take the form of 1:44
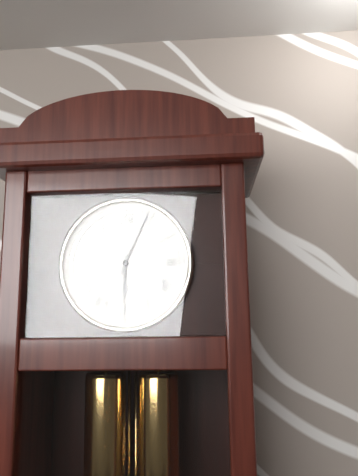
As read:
6:04
